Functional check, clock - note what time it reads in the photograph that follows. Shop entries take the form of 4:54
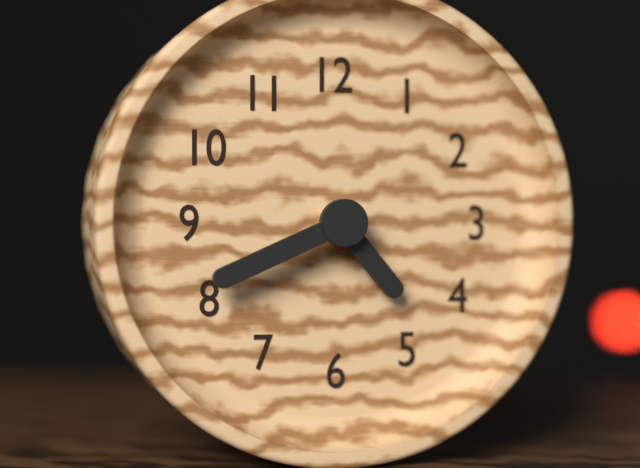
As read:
4:41
